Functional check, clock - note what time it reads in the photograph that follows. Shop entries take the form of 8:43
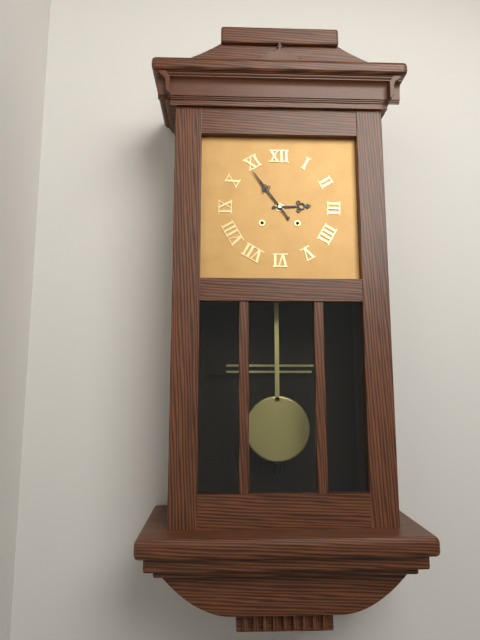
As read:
2:54
